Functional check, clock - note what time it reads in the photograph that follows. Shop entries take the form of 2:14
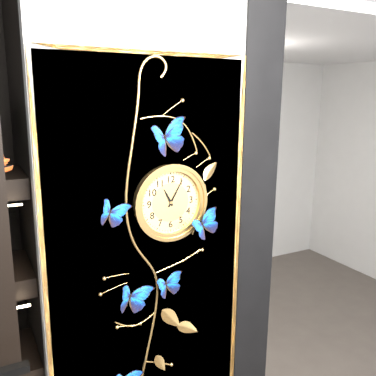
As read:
11:05
